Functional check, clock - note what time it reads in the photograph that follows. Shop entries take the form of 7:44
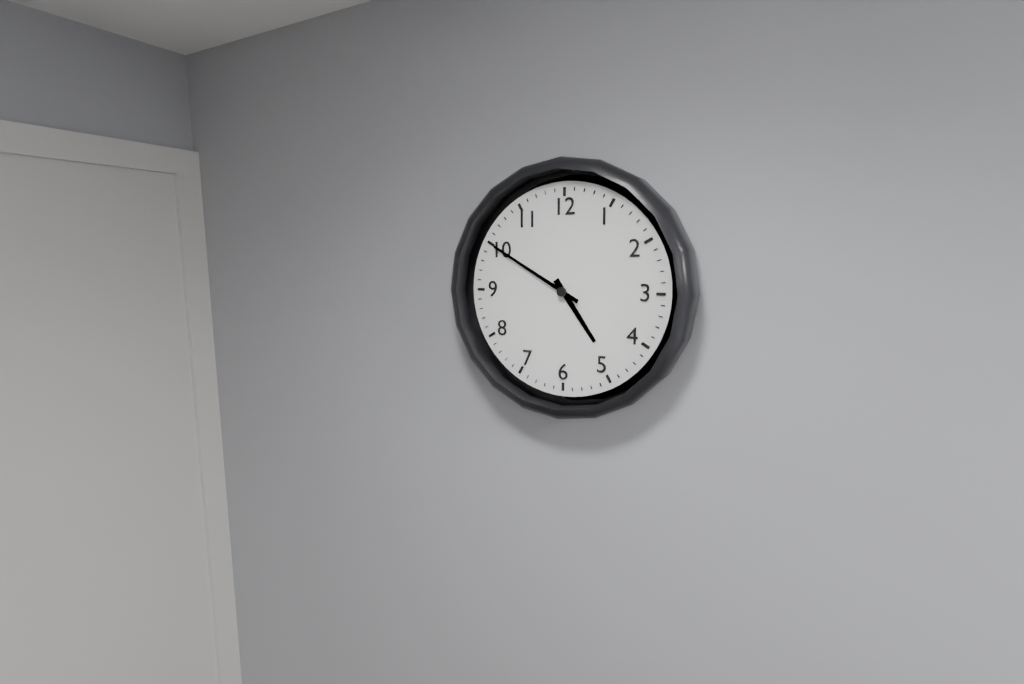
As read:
4:50
